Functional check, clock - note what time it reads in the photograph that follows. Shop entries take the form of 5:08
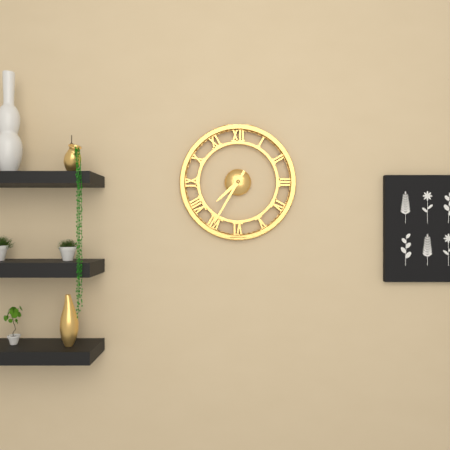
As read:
7:35
